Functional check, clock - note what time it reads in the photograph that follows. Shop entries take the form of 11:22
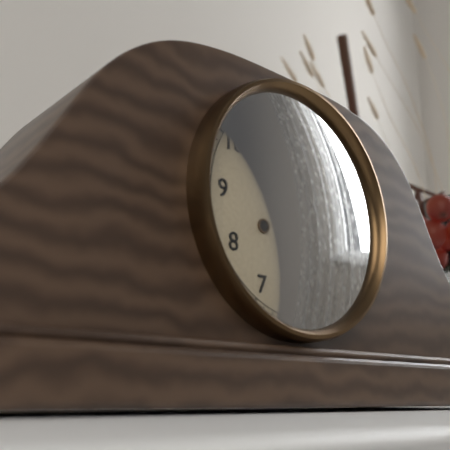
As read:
6:09
